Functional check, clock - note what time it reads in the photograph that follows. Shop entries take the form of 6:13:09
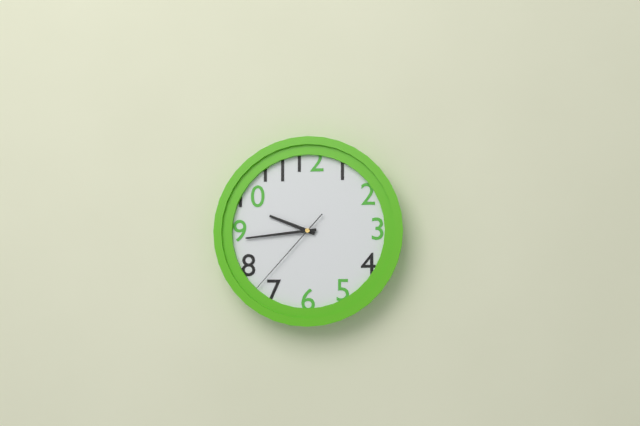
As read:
9:44:37
